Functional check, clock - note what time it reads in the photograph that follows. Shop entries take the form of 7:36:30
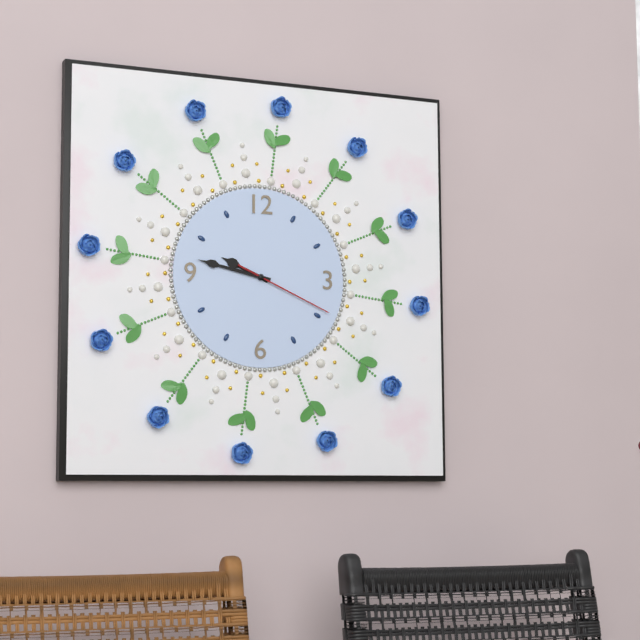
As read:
9:47:19
